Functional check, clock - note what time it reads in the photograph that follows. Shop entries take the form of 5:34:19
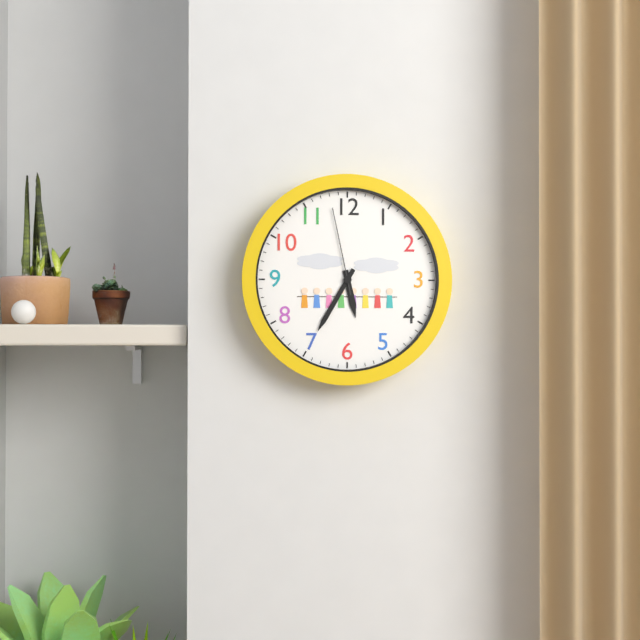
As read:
5:35:58
